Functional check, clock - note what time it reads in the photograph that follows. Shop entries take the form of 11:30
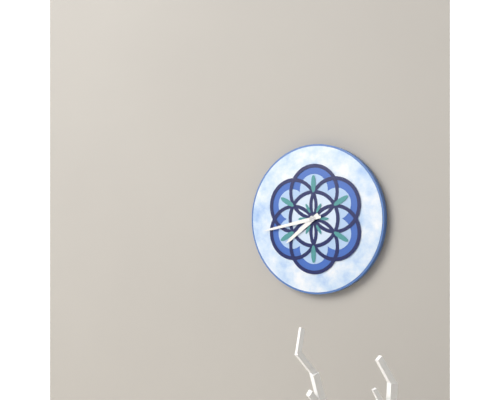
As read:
7:43
